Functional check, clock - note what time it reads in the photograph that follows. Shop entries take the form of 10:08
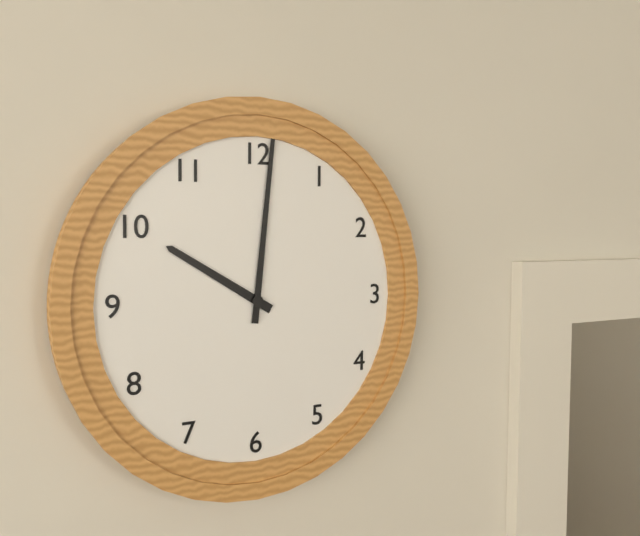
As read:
10:01
